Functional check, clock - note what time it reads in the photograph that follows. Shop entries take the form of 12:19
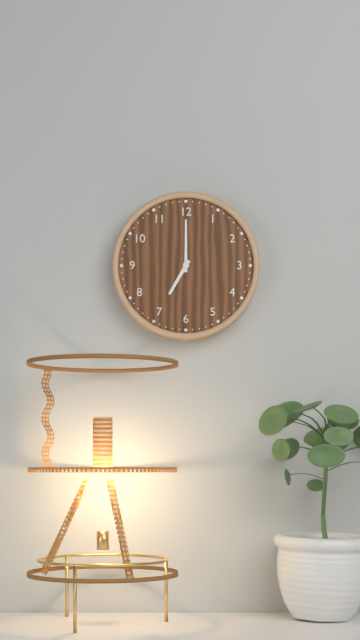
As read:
7:00
